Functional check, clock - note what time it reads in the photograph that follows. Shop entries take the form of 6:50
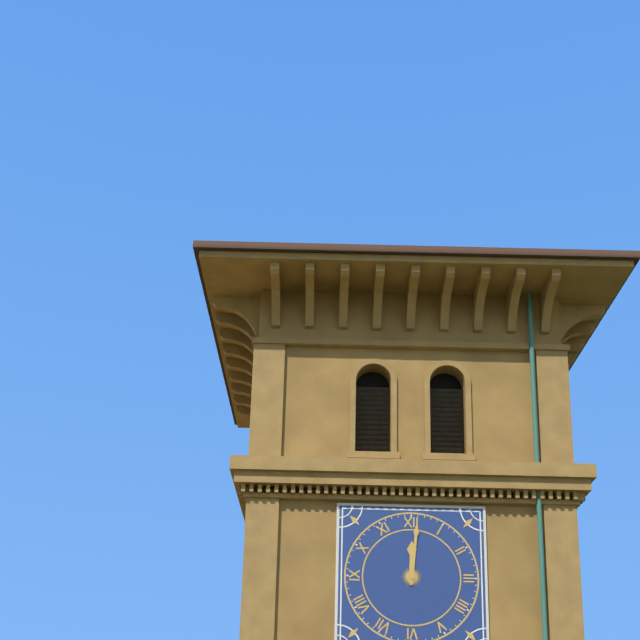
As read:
12:01
